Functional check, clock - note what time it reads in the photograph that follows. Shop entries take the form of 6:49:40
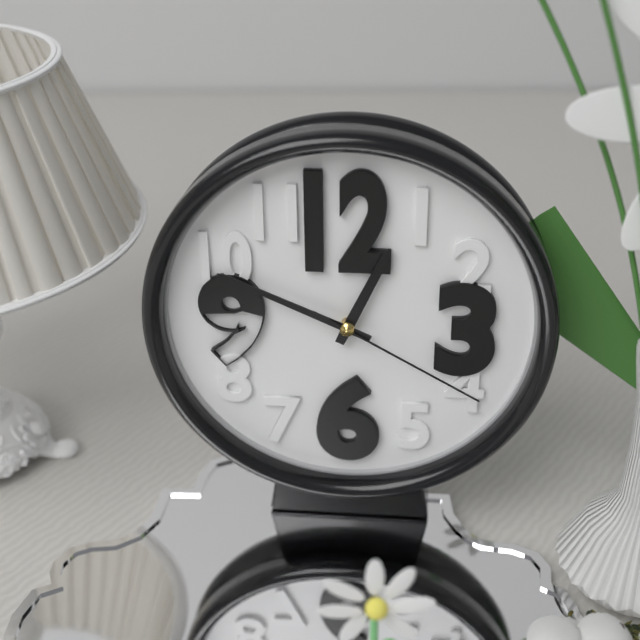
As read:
12:49:20
